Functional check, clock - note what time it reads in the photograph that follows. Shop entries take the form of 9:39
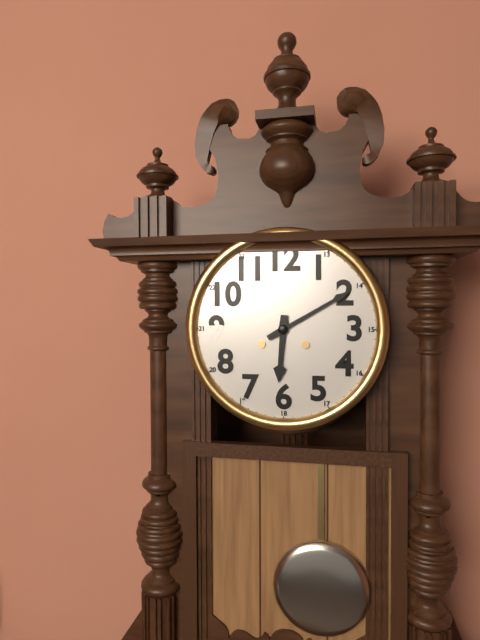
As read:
6:10
